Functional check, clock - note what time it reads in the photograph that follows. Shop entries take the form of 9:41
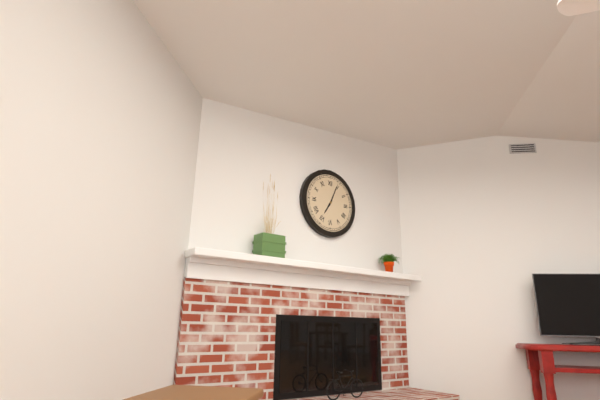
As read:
7:04
